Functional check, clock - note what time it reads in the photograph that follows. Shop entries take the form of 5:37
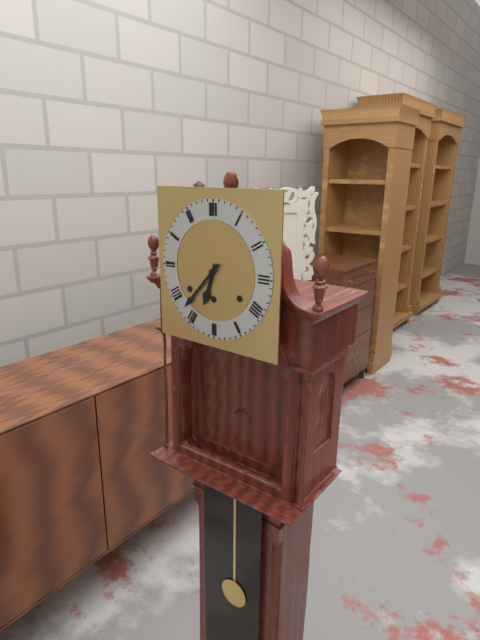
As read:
6:37
